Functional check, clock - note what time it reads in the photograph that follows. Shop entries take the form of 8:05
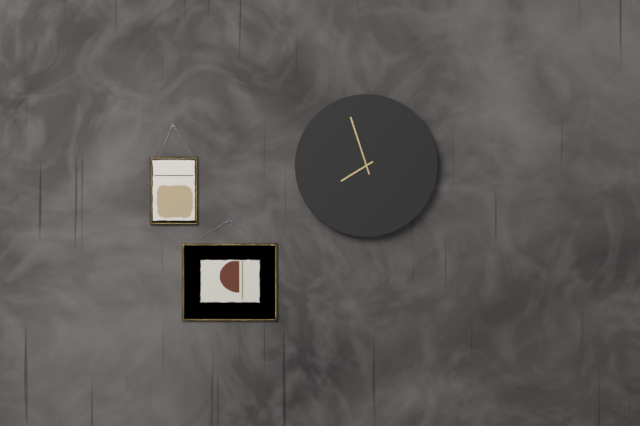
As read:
7:57
